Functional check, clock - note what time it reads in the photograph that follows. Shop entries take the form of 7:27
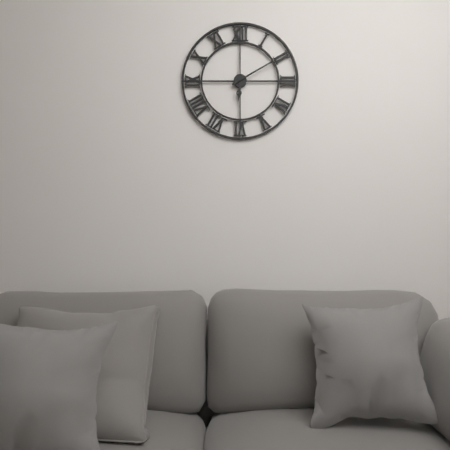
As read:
6:10
